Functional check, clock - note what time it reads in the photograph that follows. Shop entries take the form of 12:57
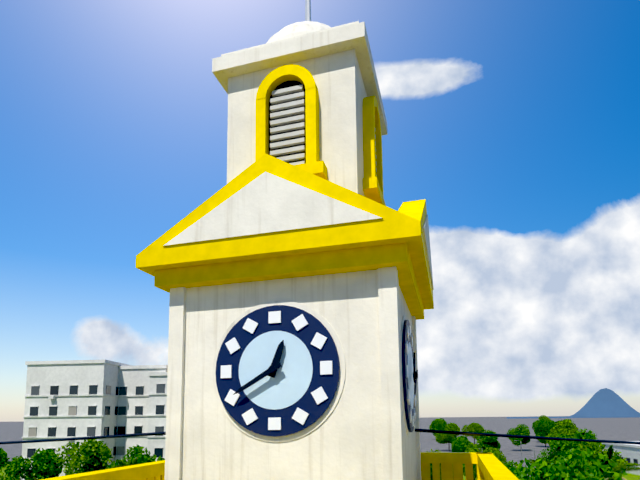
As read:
12:40
